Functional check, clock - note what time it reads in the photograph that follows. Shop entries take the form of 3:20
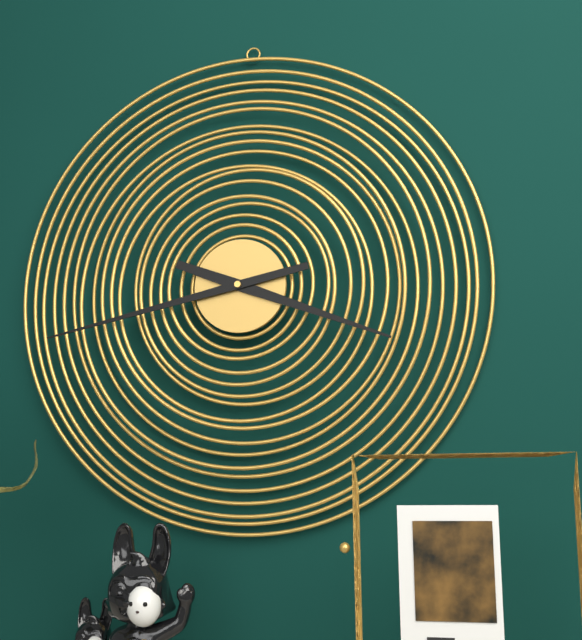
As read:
3:43
